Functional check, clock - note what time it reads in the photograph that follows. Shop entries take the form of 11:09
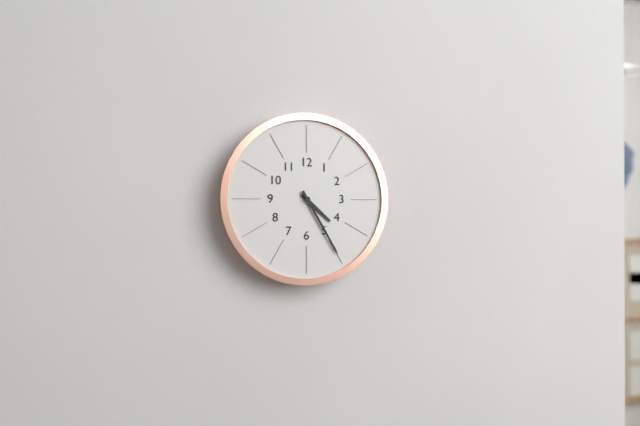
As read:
4:25
